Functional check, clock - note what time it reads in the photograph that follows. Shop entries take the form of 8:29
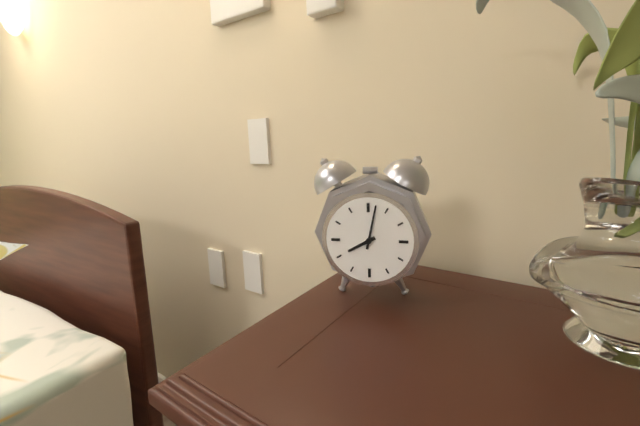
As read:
8:02
